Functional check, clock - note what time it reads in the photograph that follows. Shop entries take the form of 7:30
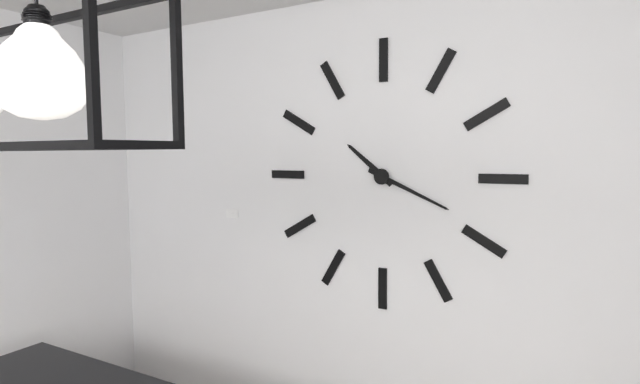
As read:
10:19
